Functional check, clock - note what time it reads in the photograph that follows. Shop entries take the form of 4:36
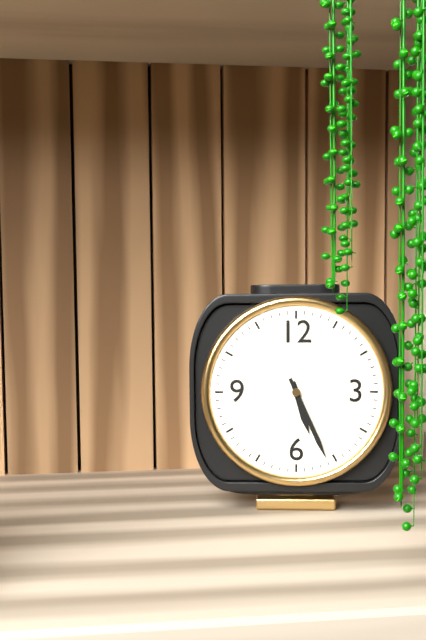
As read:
5:26
